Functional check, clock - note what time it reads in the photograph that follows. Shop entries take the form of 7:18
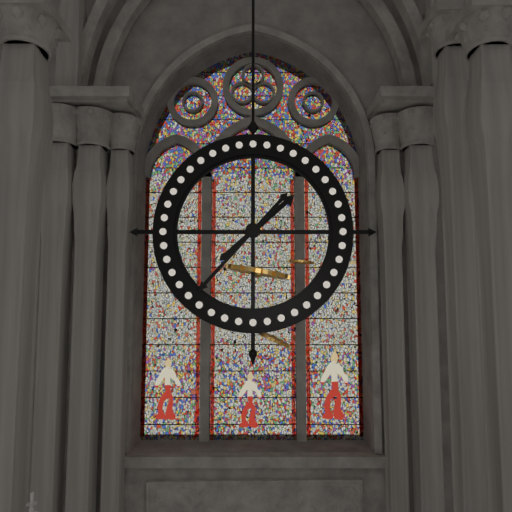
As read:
1:37
